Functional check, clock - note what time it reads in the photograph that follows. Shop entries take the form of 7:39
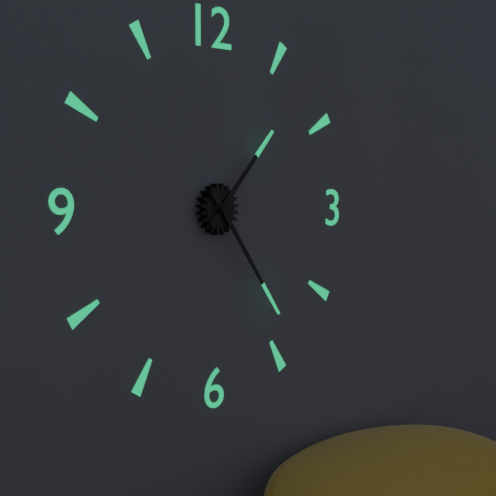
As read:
1:24
